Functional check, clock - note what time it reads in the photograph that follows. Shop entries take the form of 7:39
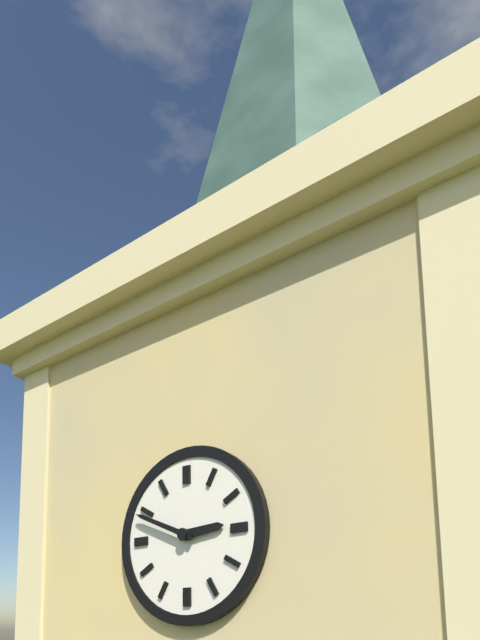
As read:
2:49
